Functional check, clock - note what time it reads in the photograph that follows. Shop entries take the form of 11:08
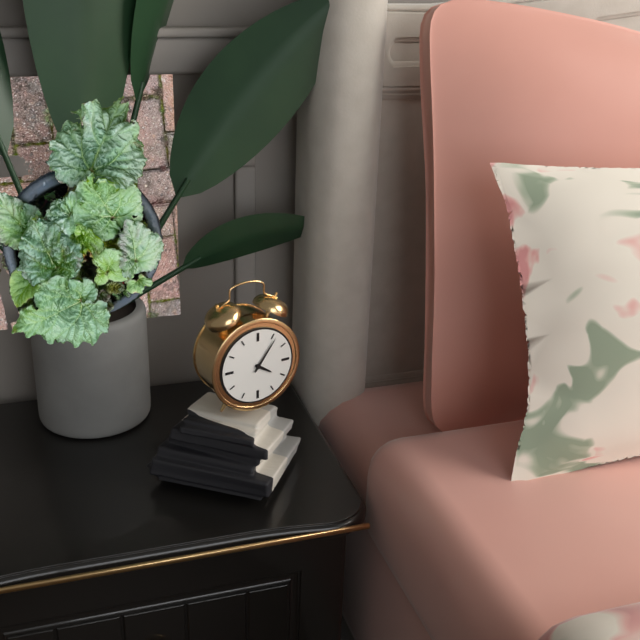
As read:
4:06
